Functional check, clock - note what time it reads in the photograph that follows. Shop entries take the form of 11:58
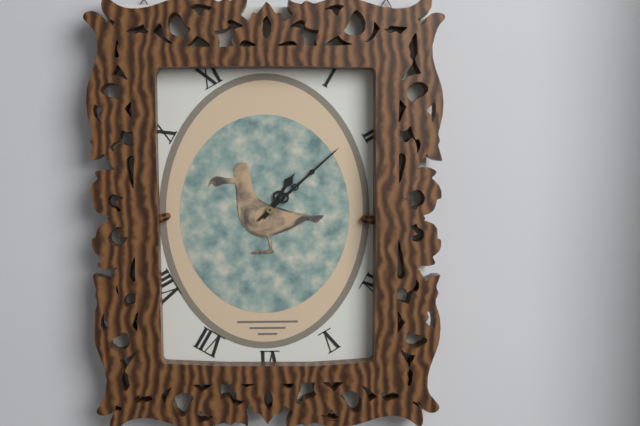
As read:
1:08
